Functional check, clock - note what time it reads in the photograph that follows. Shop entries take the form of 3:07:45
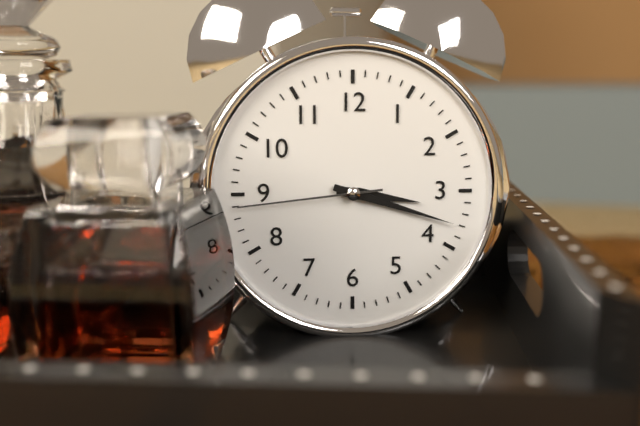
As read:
3:18:44
